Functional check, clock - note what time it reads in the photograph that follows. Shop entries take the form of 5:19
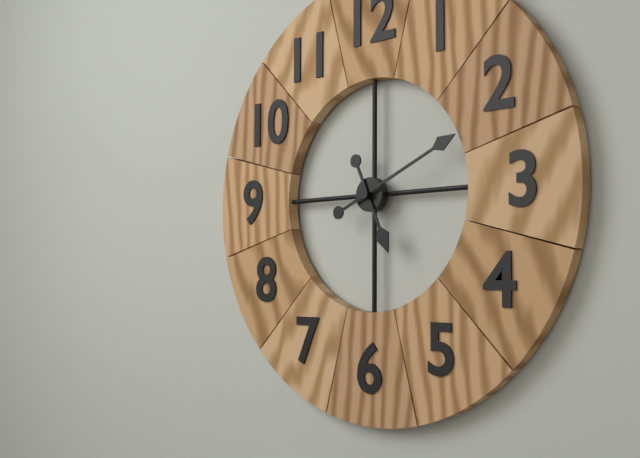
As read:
5:11
